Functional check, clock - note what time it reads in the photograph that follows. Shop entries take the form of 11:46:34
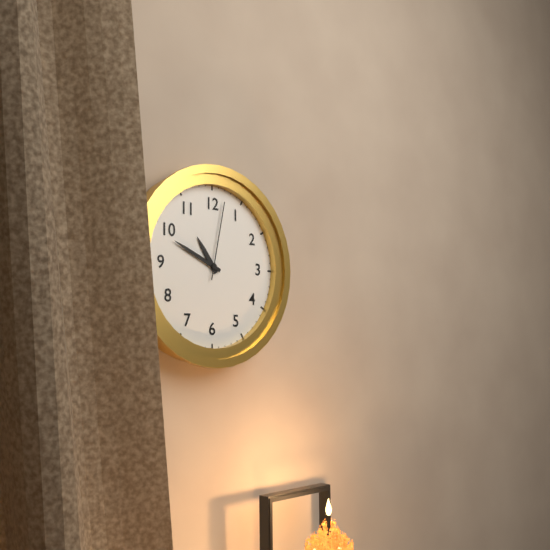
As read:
10:49:02
